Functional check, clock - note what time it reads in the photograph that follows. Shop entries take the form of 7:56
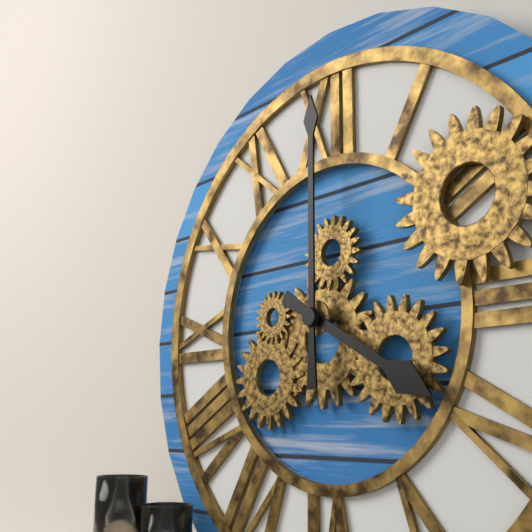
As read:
4:00
